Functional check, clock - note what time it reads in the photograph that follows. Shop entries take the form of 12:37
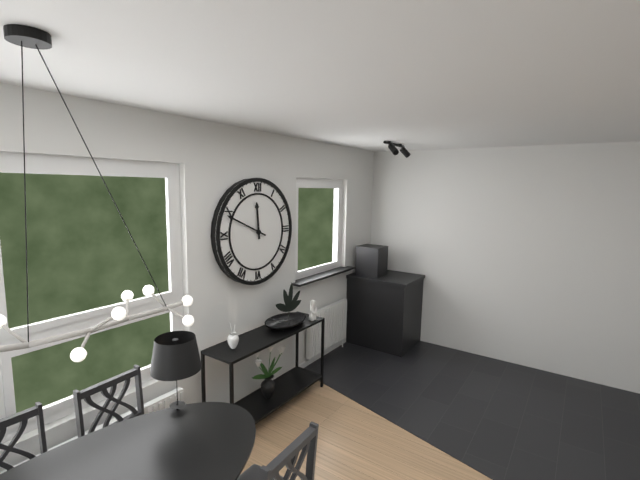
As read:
11:49
